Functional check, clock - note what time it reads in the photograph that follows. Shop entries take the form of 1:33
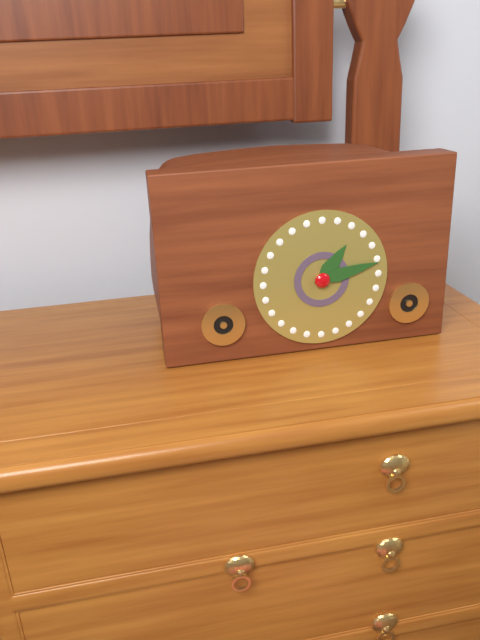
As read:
1:13
